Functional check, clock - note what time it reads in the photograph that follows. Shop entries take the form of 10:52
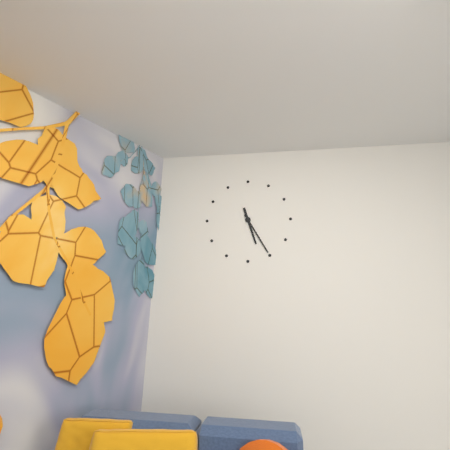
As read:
5:25
